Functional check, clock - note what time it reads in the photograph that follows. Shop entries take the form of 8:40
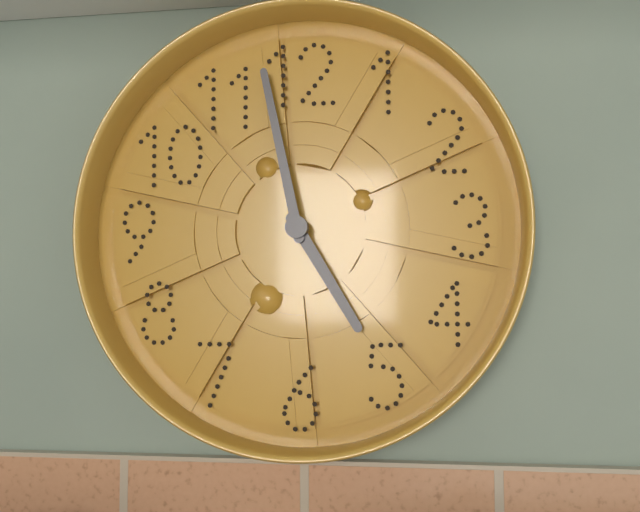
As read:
4:58
